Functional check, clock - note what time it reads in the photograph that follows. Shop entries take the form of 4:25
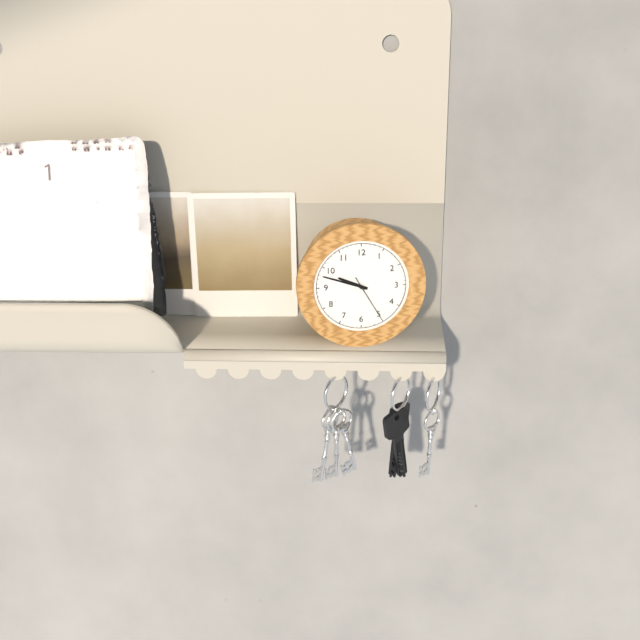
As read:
9:48
